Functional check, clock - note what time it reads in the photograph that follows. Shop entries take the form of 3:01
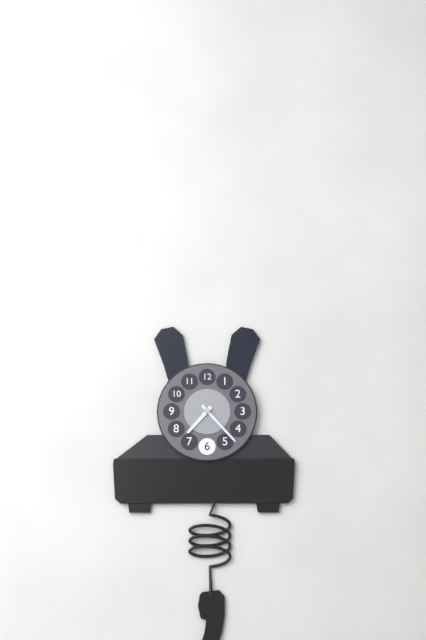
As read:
7:23
